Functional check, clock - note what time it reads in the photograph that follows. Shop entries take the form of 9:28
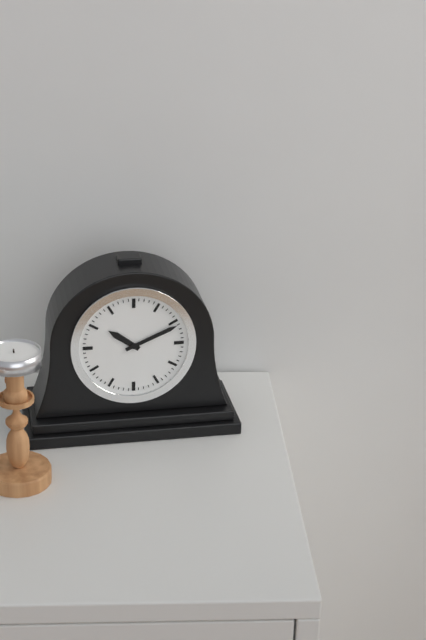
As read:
10:11
